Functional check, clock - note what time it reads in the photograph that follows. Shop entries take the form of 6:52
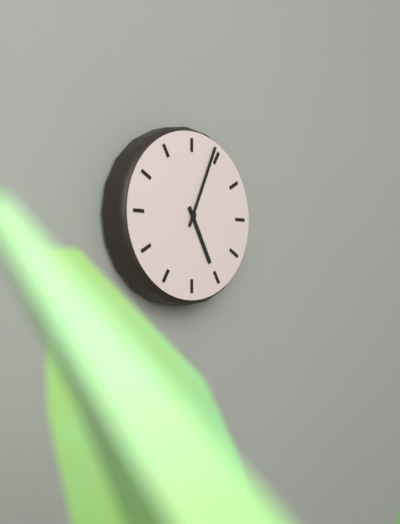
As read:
5:04
